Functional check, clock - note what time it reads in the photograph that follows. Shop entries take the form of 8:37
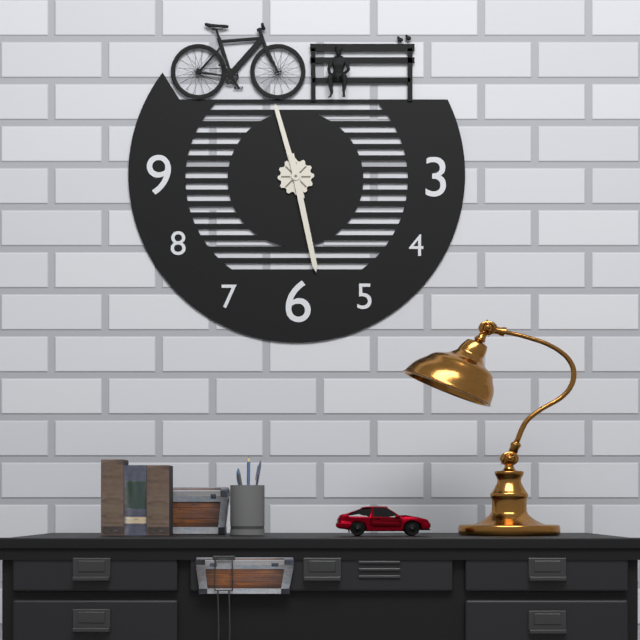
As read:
11:28
